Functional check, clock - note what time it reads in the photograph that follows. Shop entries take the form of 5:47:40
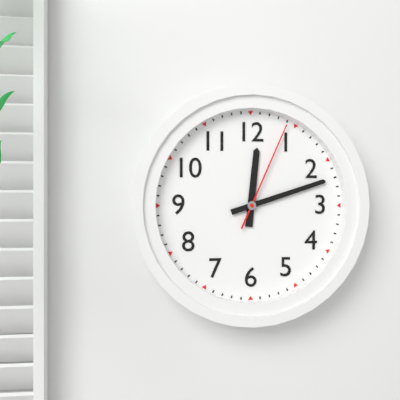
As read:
12:12:04
